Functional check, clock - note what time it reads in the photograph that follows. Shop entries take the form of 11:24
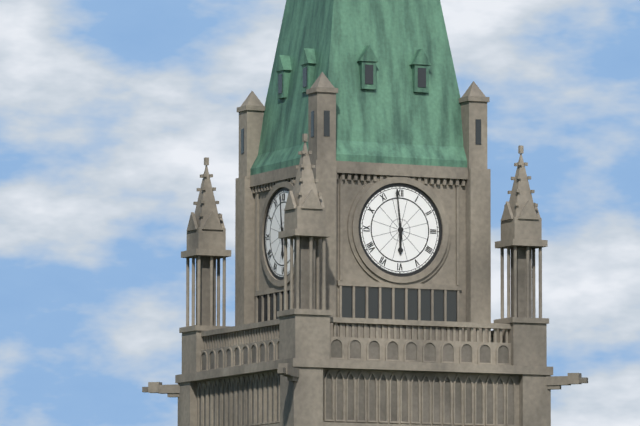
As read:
5:59
